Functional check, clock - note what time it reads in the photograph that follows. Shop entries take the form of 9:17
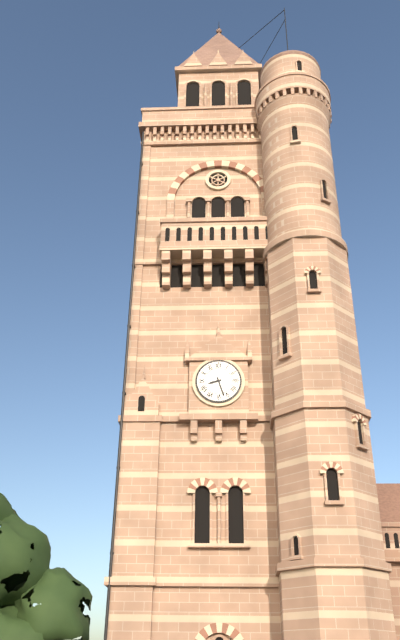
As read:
8:27
